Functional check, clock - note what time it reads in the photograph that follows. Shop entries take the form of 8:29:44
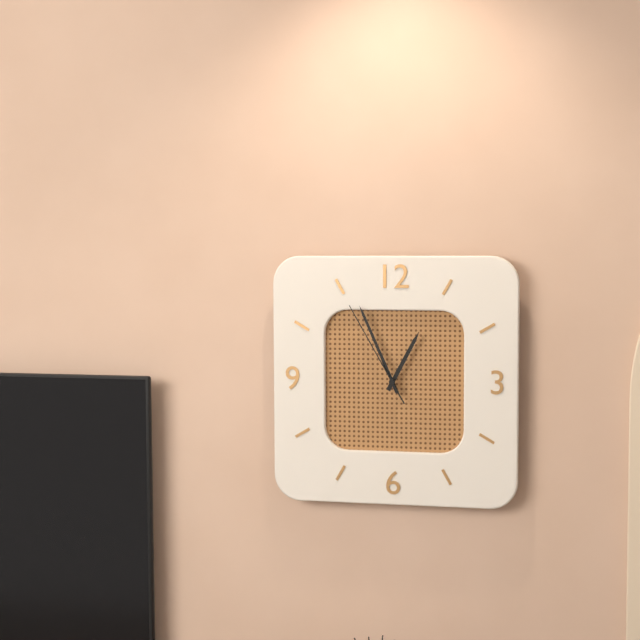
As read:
12:56:55
